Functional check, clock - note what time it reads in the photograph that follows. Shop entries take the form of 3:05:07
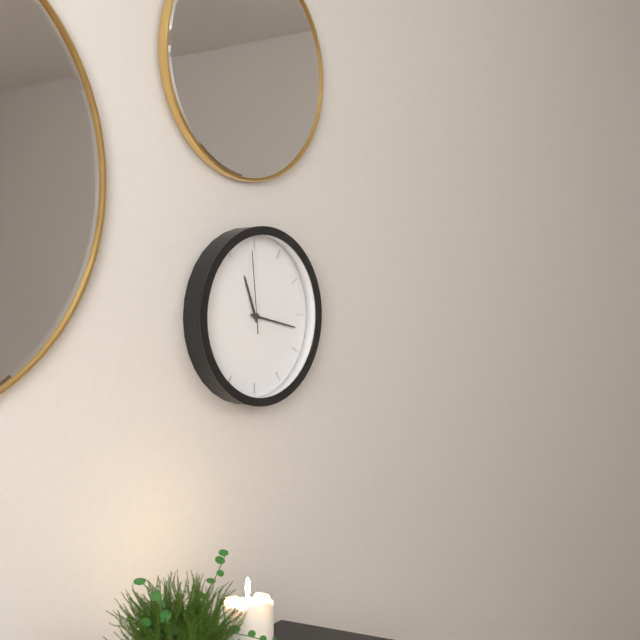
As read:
11:17:59
